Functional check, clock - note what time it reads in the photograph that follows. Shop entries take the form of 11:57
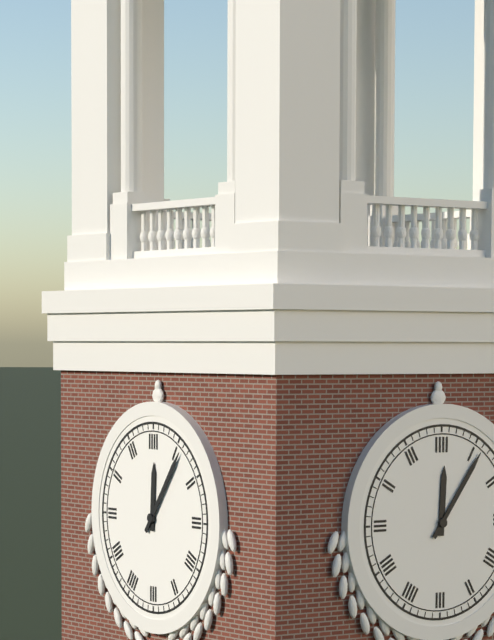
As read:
12:06
